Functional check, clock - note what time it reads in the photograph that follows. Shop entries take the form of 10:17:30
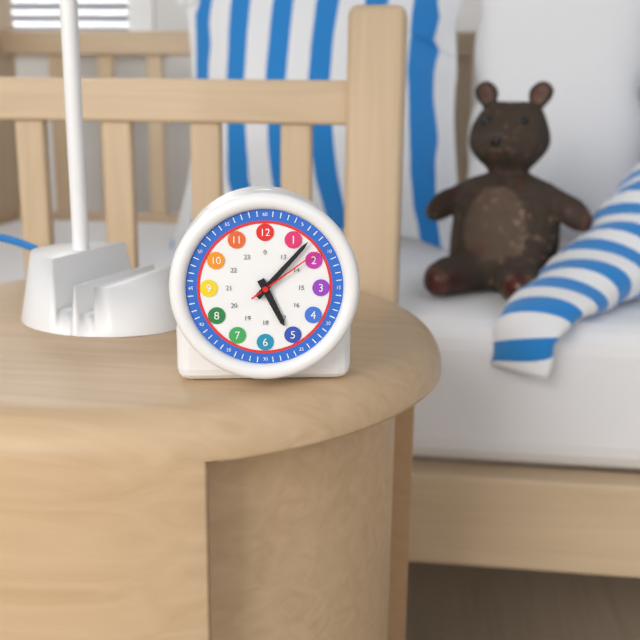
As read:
5:07:09
